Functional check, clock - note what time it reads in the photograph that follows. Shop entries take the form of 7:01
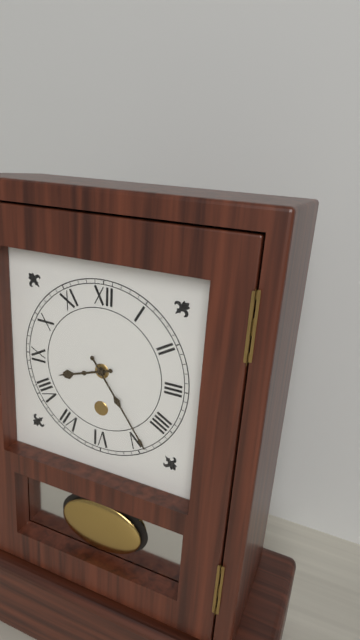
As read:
8:24
